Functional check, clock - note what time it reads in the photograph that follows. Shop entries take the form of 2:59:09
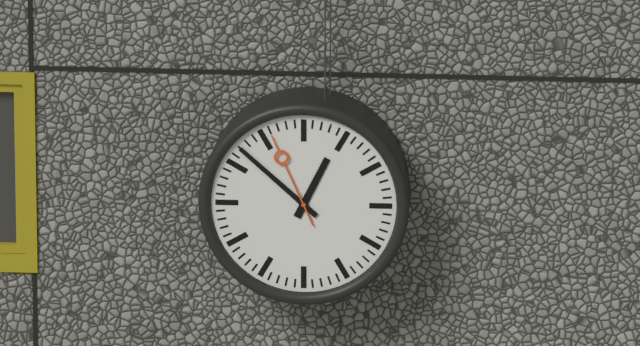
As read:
12:52:56
